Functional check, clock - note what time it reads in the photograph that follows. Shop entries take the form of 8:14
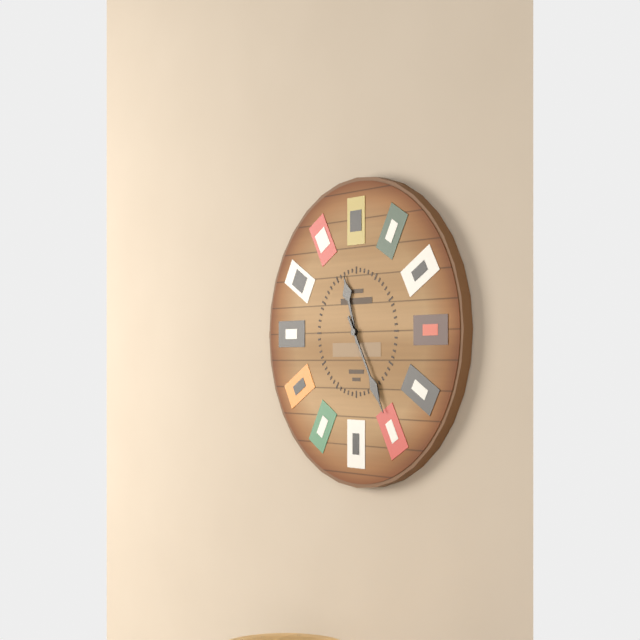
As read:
11:25
